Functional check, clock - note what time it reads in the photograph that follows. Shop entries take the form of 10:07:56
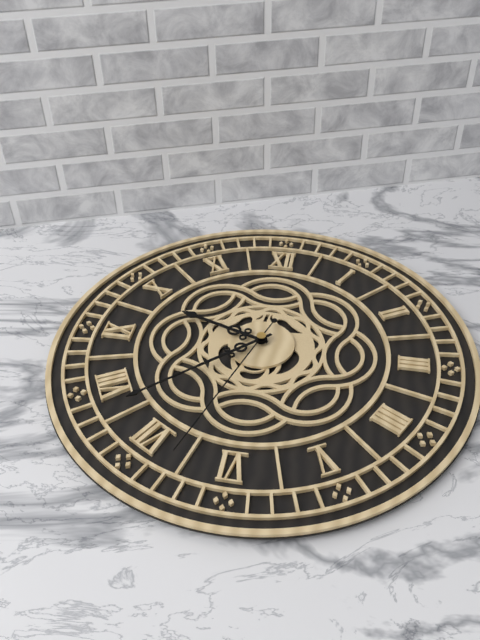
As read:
9:38:33
